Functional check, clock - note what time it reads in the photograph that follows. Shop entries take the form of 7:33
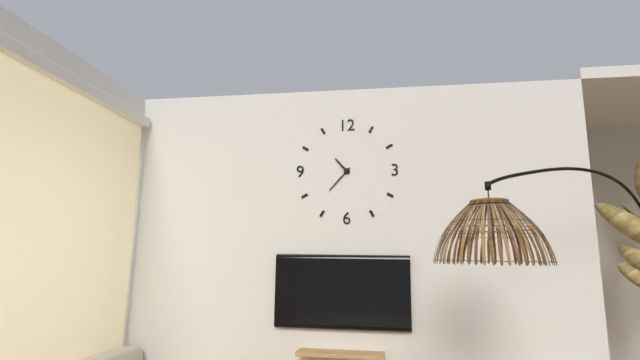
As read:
10:37
